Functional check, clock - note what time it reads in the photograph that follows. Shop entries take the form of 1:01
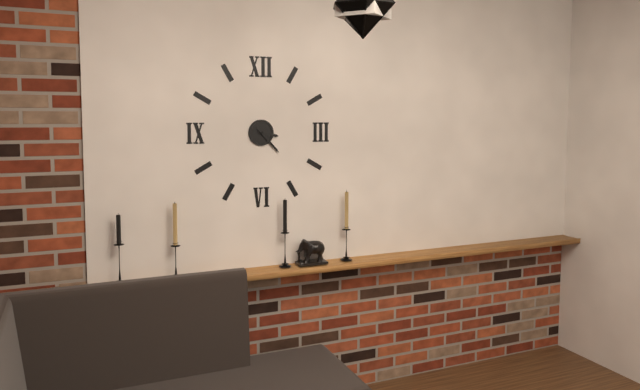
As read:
3:23
